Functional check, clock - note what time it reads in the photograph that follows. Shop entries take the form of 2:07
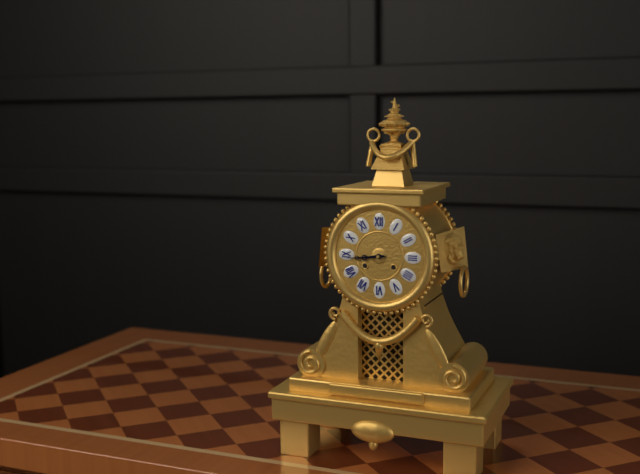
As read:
8:44
